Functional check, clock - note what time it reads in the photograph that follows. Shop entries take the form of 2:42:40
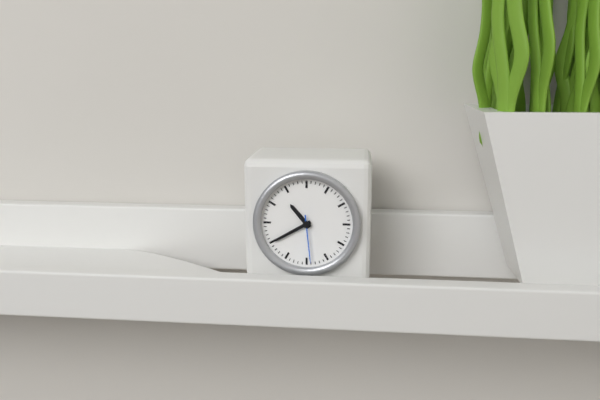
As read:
10:40:29
